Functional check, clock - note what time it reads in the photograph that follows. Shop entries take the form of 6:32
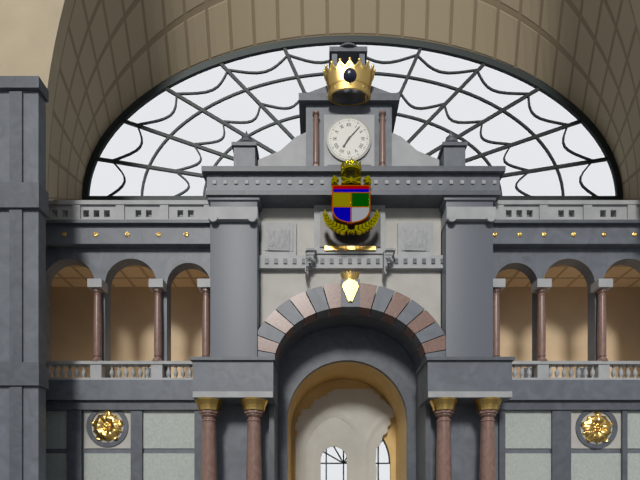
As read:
7:07
